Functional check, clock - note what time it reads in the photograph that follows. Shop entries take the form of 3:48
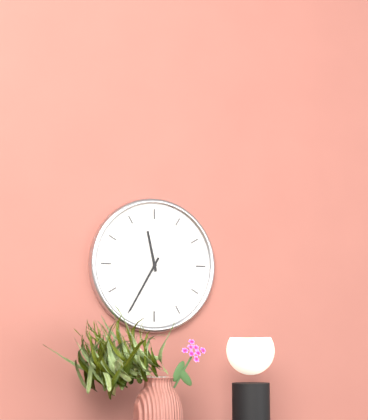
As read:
11:35
